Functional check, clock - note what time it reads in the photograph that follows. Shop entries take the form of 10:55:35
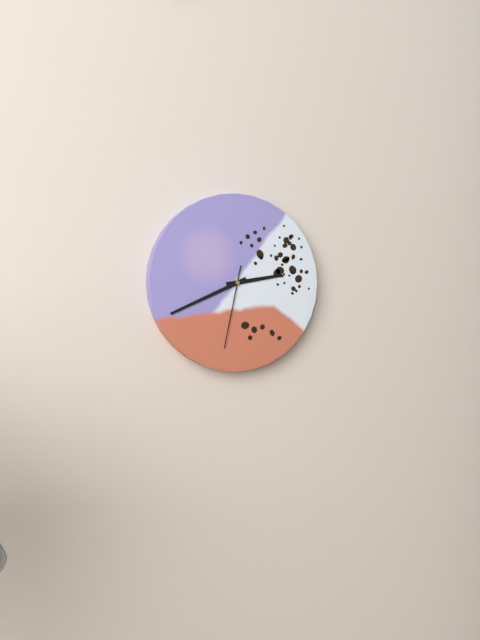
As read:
2:41:32
